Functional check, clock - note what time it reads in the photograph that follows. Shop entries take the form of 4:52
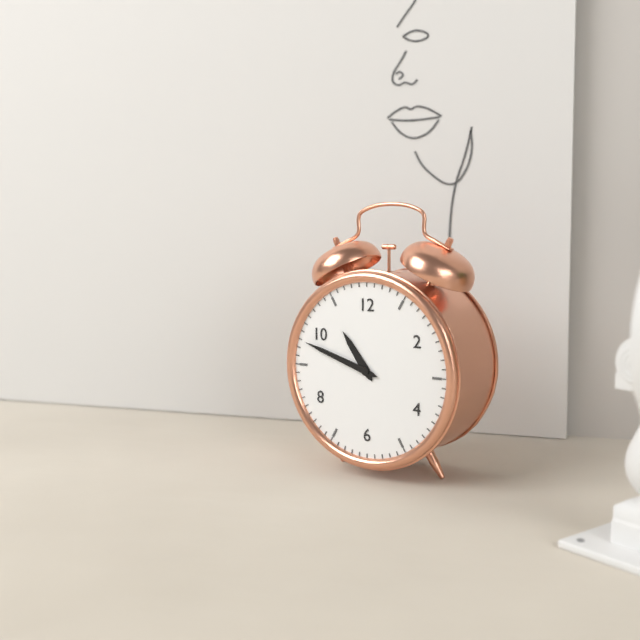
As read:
10:48
